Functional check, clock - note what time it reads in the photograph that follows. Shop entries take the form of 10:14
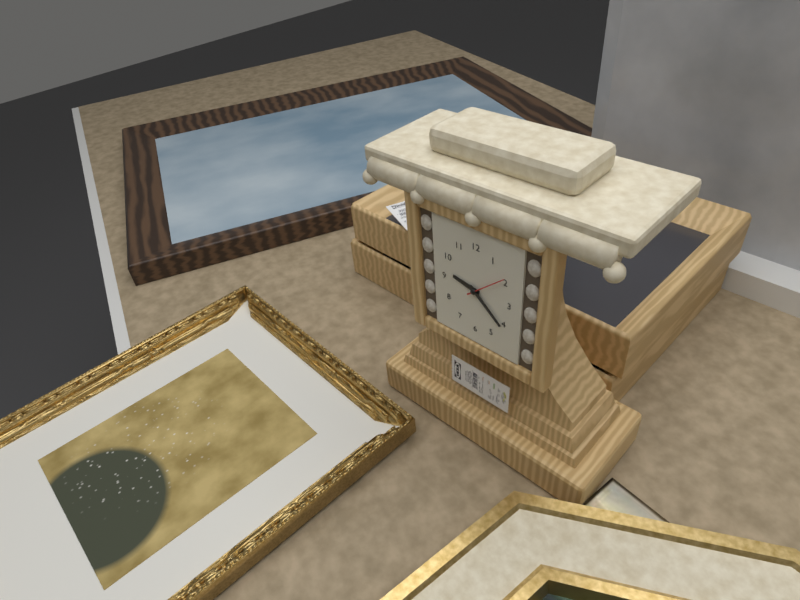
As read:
9:22
